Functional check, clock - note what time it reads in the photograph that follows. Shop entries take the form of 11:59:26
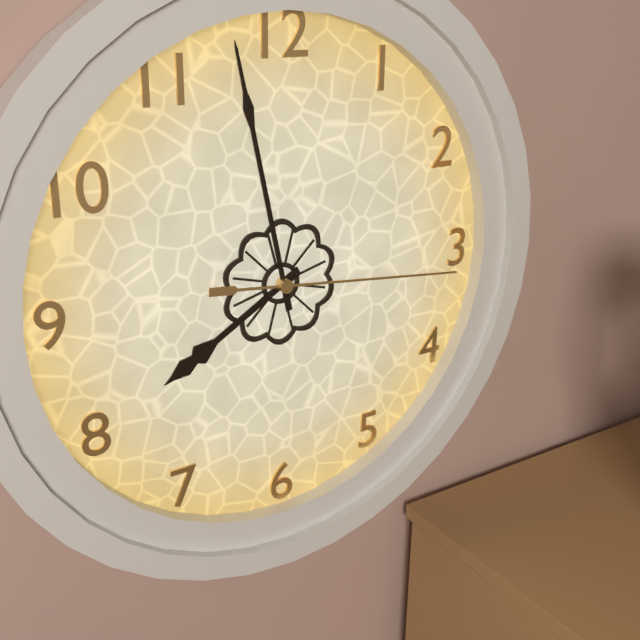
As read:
7:58:16
